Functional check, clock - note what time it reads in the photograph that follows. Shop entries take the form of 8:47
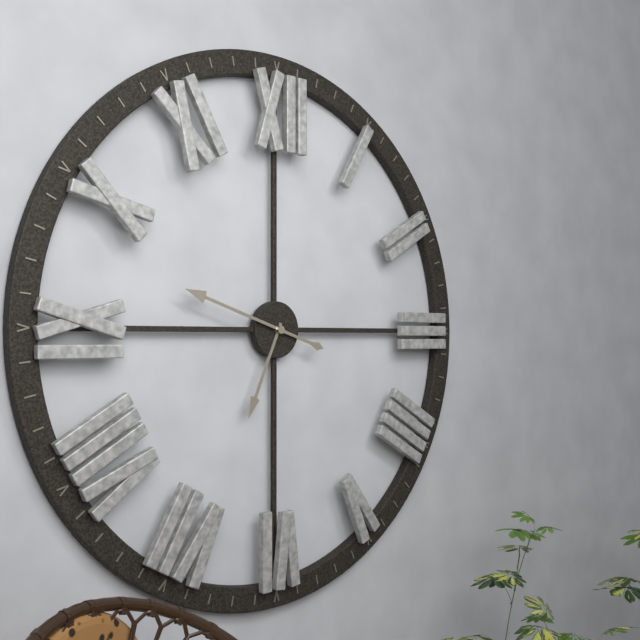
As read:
6:48
